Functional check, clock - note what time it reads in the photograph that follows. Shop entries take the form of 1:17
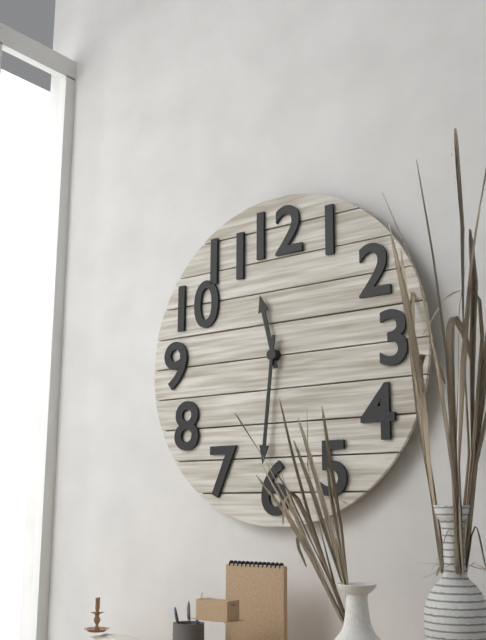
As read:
11:31
